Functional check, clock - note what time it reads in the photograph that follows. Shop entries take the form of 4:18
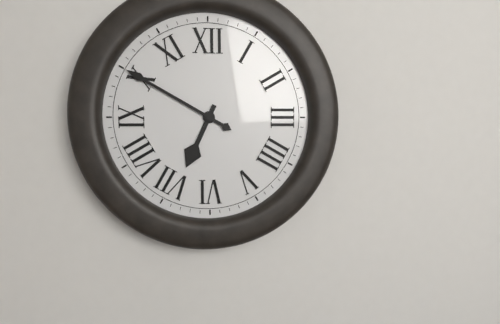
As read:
6:50
